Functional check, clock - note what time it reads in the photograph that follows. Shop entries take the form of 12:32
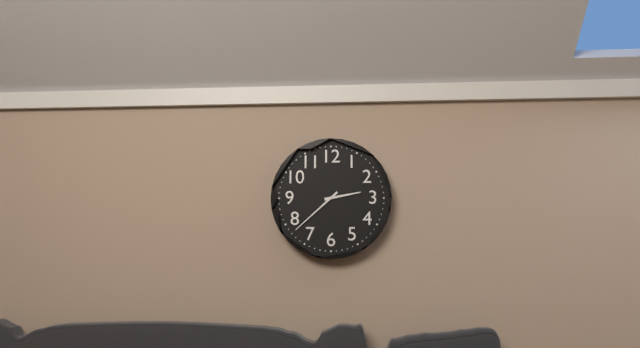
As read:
2:38
